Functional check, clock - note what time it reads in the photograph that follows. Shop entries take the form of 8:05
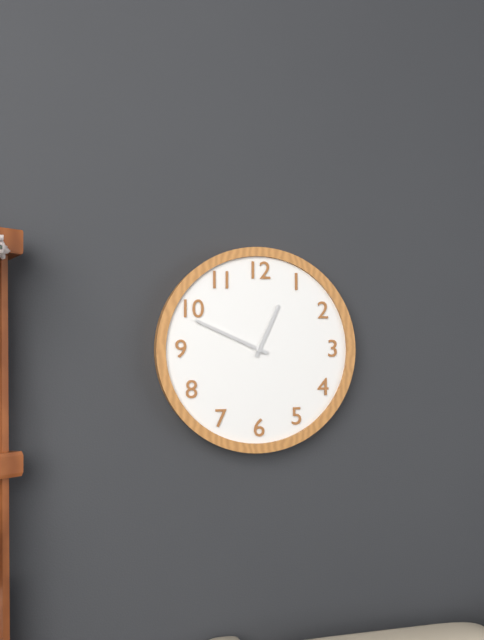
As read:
12:49
